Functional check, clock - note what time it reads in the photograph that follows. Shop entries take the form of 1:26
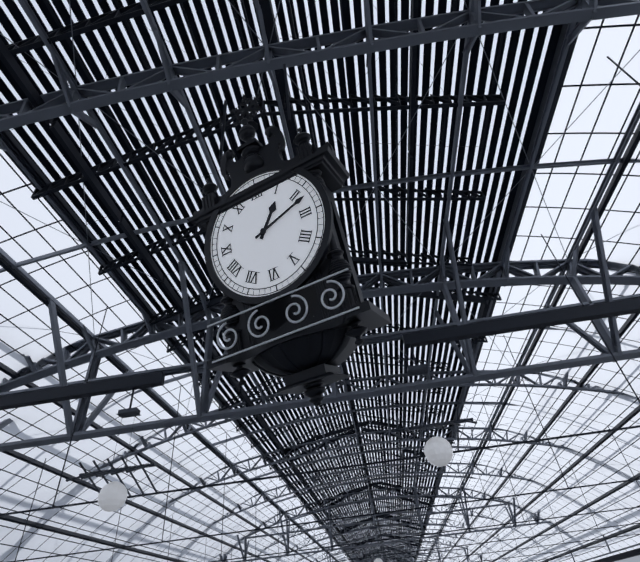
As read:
1:12
